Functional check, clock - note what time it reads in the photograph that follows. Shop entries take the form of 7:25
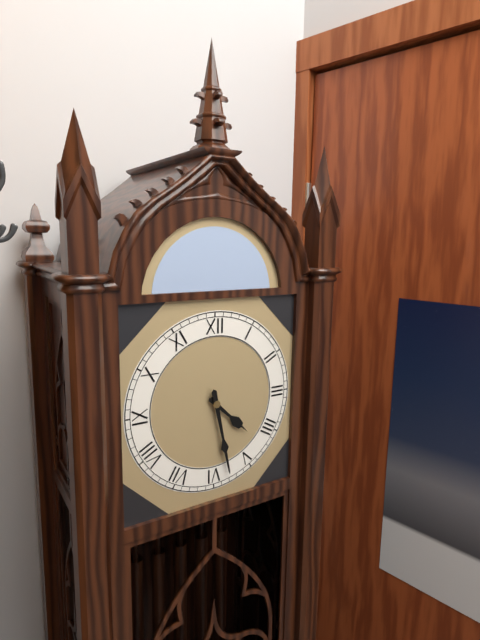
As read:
4:28
